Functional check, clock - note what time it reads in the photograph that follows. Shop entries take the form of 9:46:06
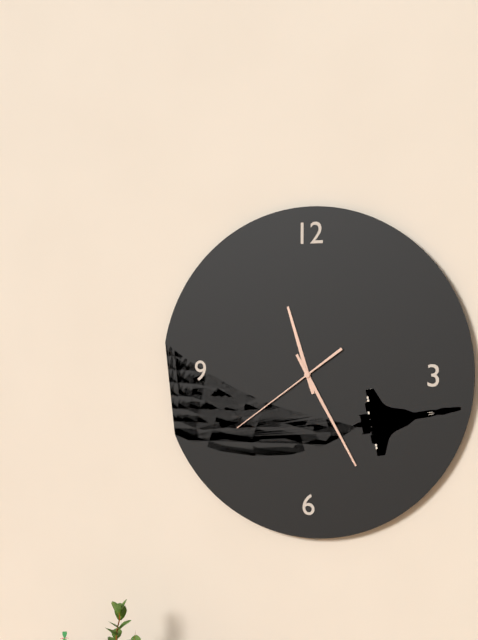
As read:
11:25:39
